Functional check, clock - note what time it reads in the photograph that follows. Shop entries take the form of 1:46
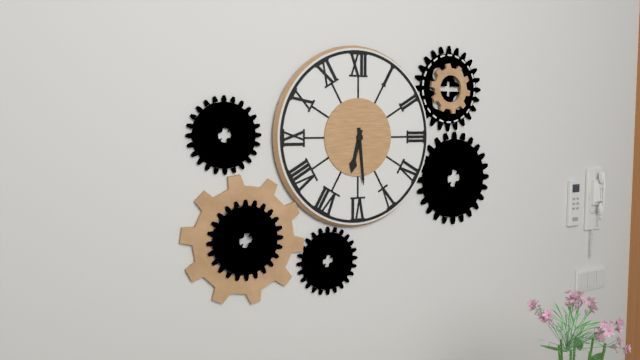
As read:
6:29
